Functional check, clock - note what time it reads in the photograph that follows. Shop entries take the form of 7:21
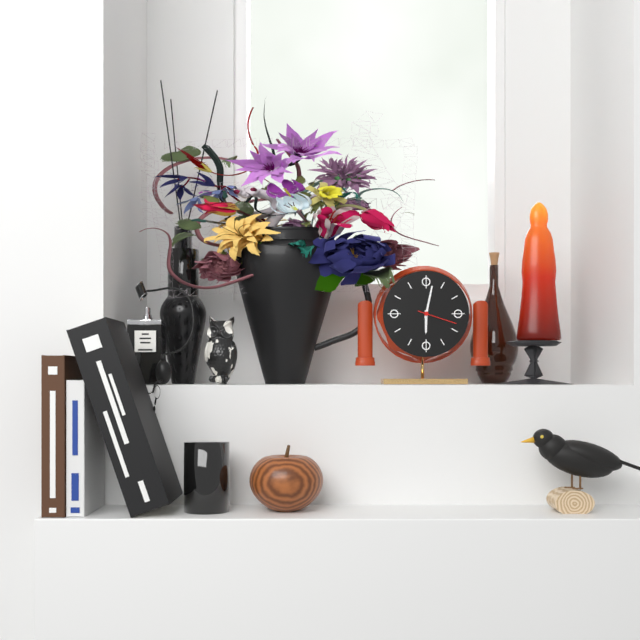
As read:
6:02
